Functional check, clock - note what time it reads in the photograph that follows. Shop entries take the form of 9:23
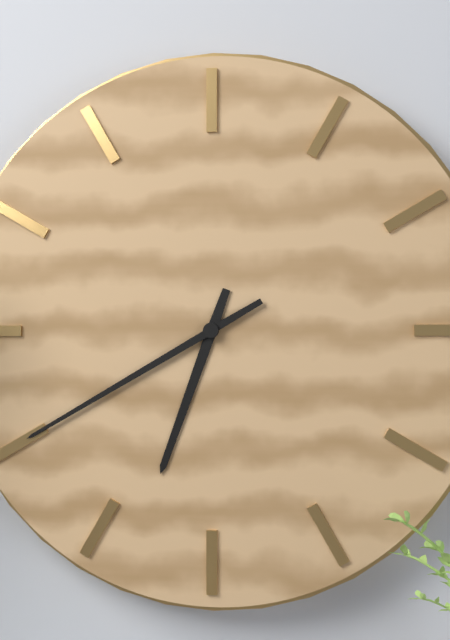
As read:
6:40
